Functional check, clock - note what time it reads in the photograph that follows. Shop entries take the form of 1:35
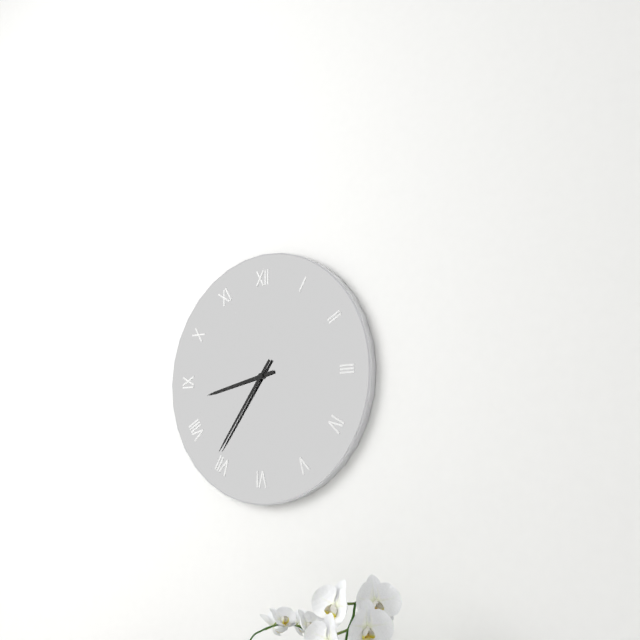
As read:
8:36
